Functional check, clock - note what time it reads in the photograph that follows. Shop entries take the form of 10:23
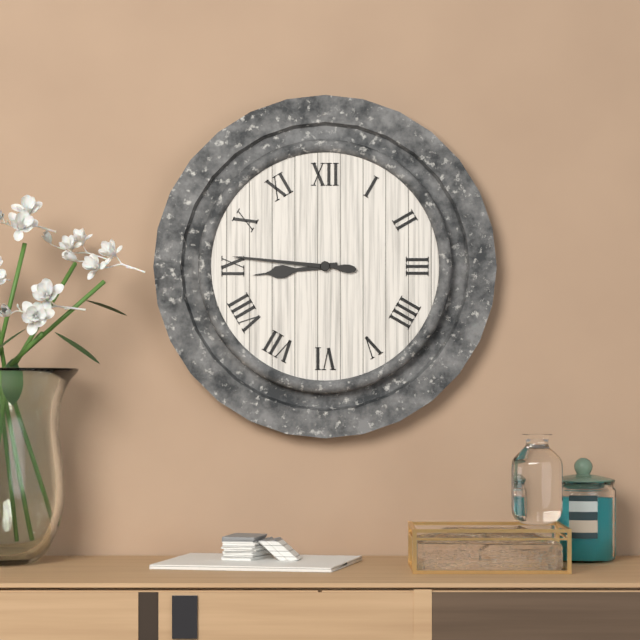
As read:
8:46
